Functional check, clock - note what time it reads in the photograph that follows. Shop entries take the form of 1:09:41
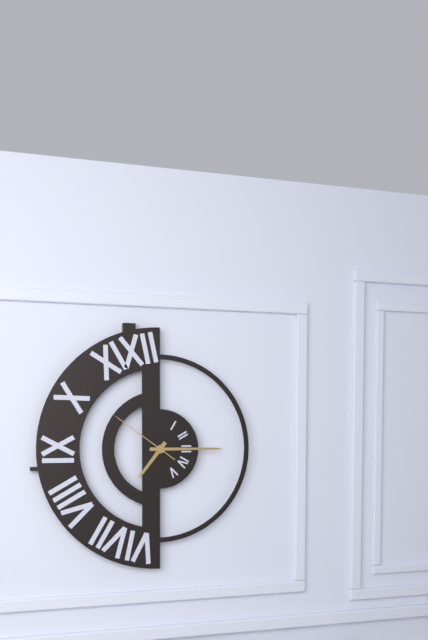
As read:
7:15:51
